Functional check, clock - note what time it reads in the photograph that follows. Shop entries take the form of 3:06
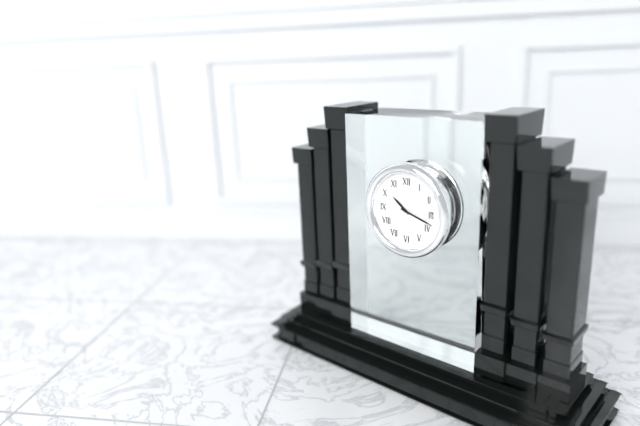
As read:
10:18
